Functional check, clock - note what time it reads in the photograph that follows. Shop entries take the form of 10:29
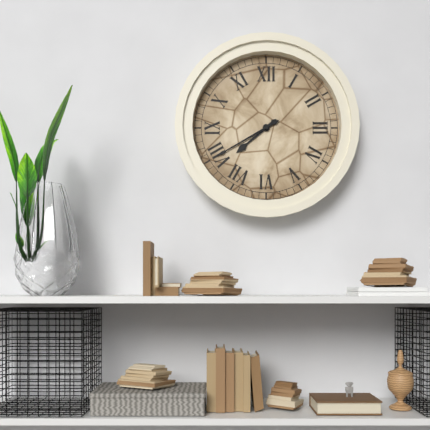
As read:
7:40
